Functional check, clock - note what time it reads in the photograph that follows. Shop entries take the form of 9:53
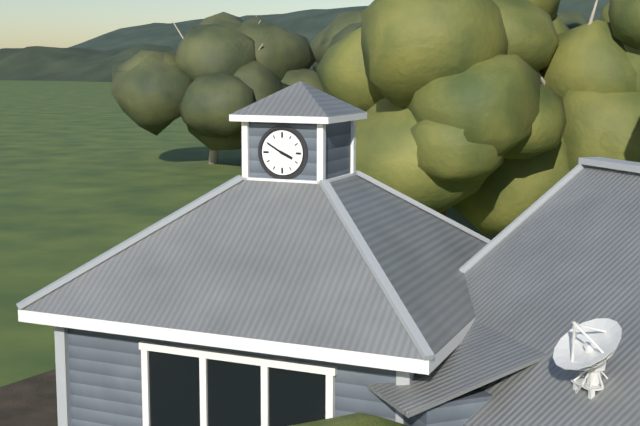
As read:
3:50
